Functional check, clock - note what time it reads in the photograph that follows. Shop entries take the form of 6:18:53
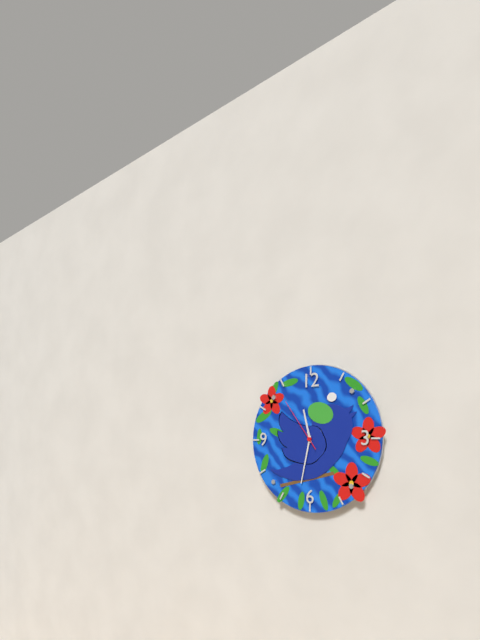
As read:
11:32:54
